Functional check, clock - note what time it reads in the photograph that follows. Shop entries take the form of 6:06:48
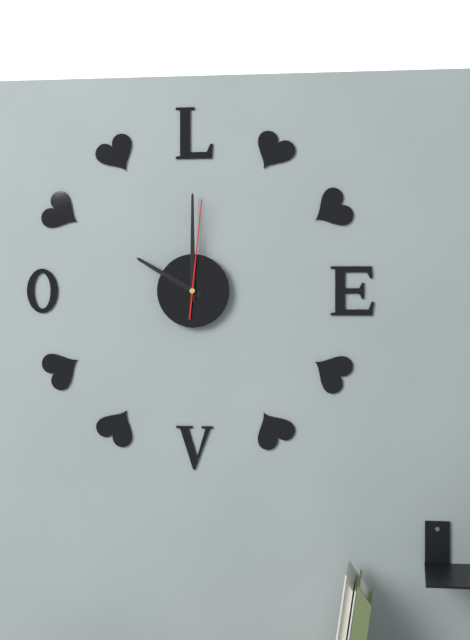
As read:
10:00:01
